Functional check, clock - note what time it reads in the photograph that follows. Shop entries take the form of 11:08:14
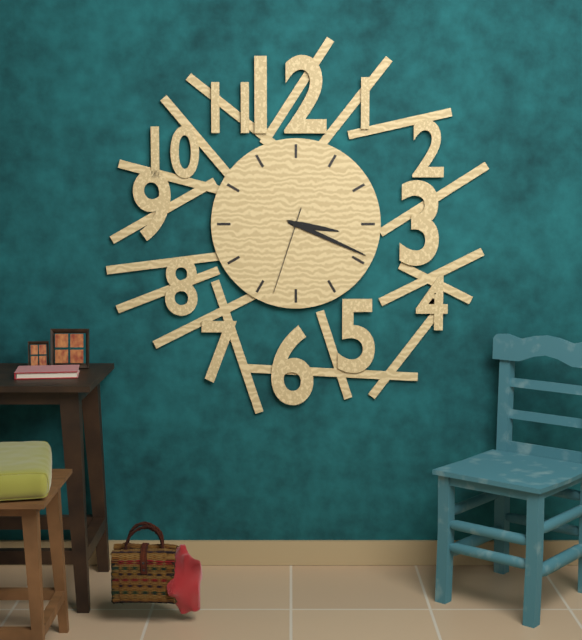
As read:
3:19:33
